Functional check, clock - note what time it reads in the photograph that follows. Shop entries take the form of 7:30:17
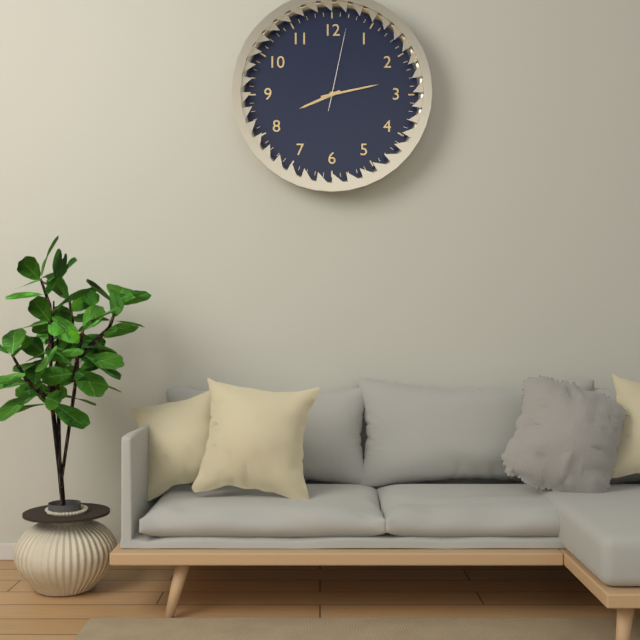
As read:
8:13:02
